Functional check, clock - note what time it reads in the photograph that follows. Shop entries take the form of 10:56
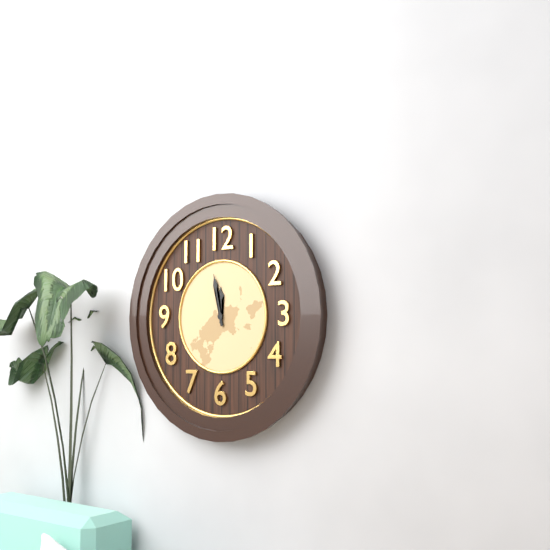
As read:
11:58
